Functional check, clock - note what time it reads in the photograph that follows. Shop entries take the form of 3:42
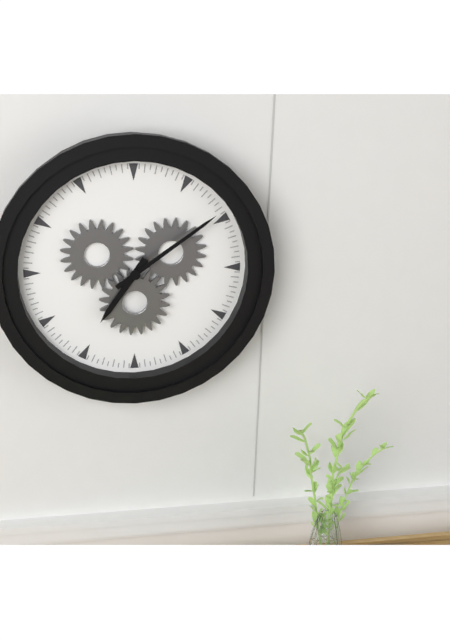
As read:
7:09
